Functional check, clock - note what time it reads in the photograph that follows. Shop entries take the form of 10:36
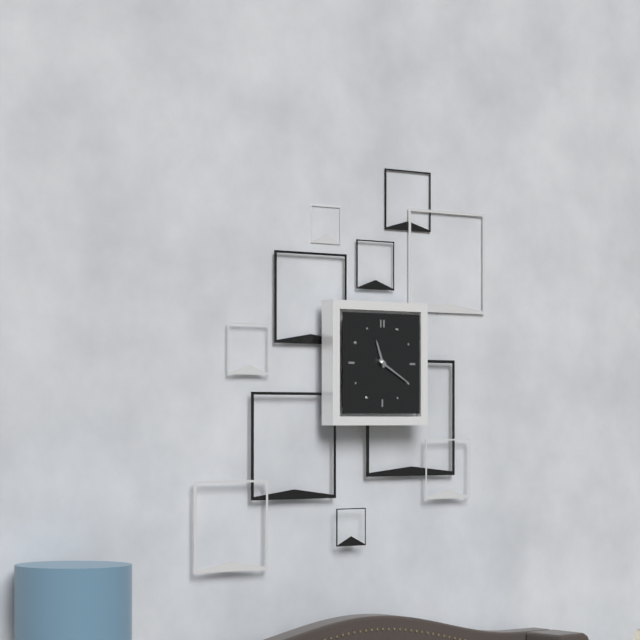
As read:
11:20
